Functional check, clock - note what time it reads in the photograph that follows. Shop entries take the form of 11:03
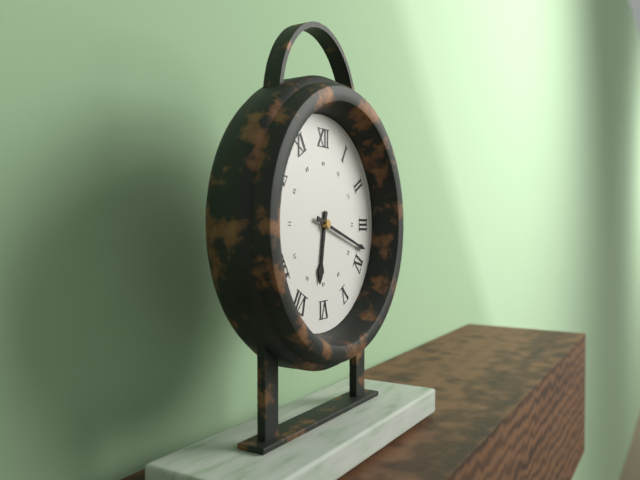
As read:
6:18
